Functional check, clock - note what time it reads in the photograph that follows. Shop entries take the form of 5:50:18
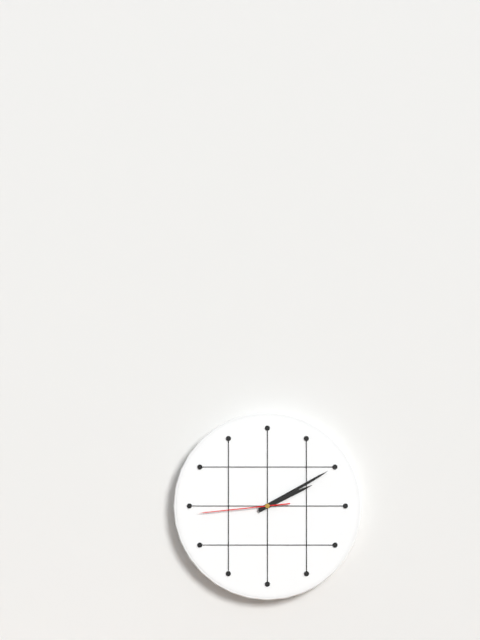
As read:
2:10:44
